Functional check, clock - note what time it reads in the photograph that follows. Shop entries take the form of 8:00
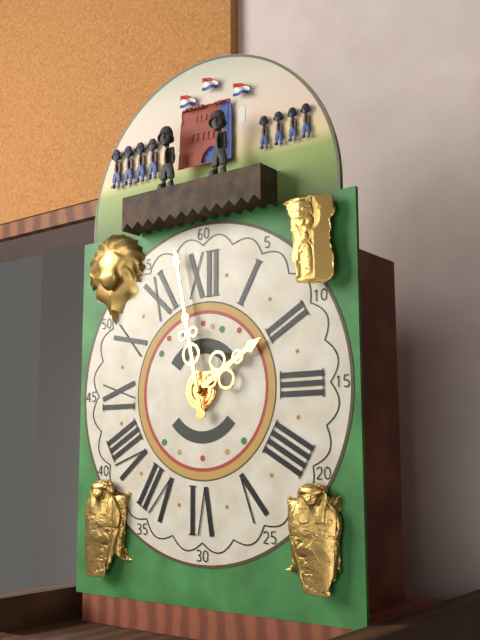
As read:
1:58
